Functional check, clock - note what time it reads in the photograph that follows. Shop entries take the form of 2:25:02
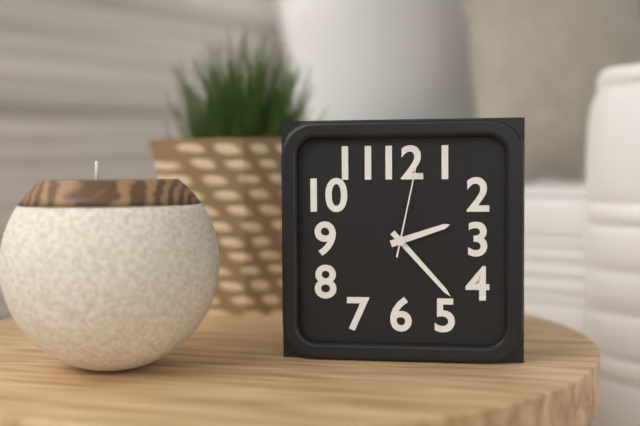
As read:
2:23:02
